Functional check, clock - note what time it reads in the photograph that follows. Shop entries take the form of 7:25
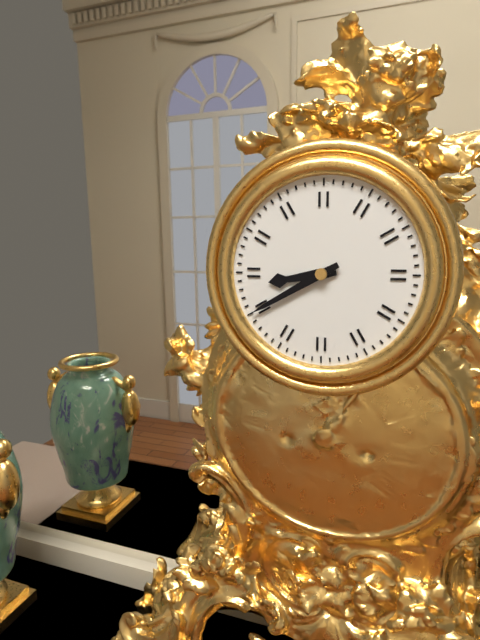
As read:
8:40
